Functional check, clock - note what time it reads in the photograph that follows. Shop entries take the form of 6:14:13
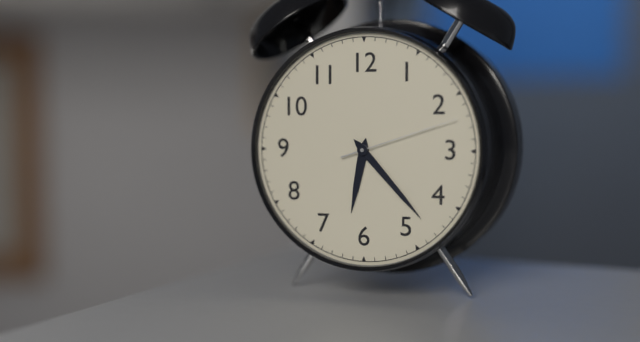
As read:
6:23:12
